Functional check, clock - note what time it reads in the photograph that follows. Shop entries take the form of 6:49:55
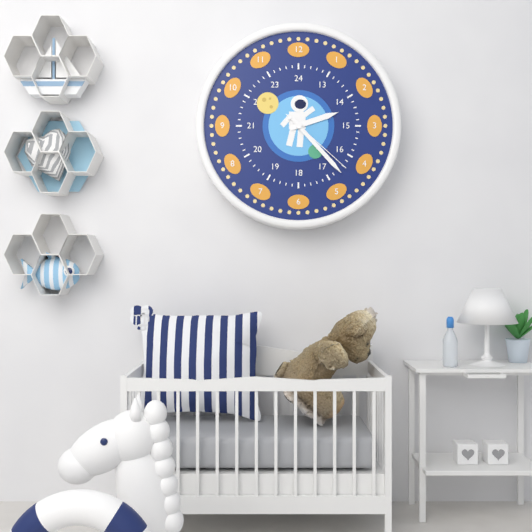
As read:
2:23:22
